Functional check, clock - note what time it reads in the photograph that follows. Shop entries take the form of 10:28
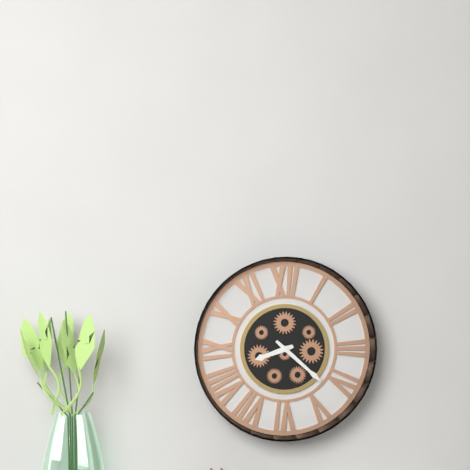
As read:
8:22
